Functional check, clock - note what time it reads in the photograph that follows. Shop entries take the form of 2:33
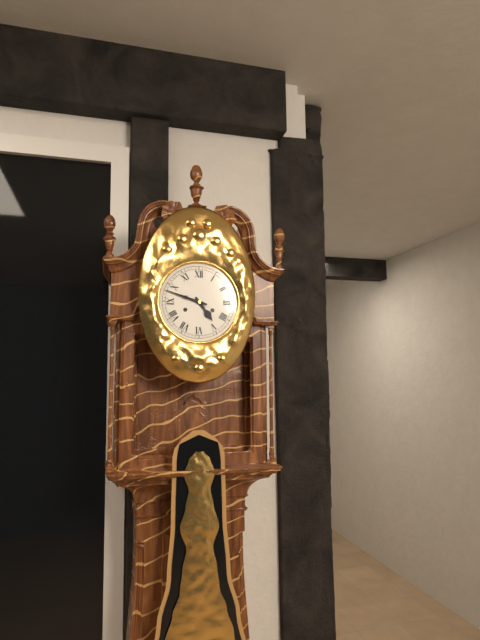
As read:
4:48
